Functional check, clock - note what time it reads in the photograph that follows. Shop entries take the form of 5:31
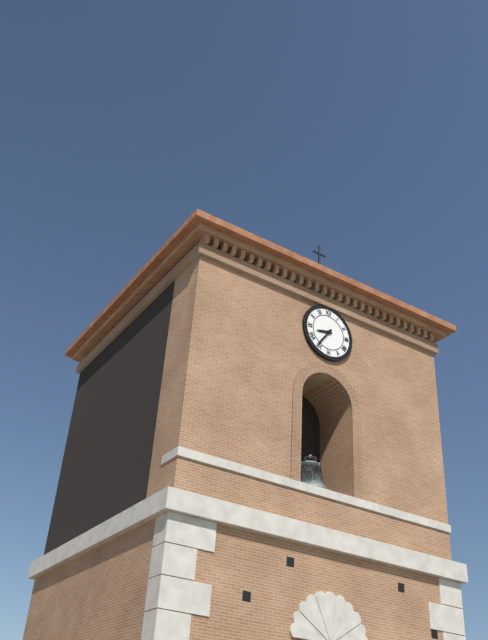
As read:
8:36
